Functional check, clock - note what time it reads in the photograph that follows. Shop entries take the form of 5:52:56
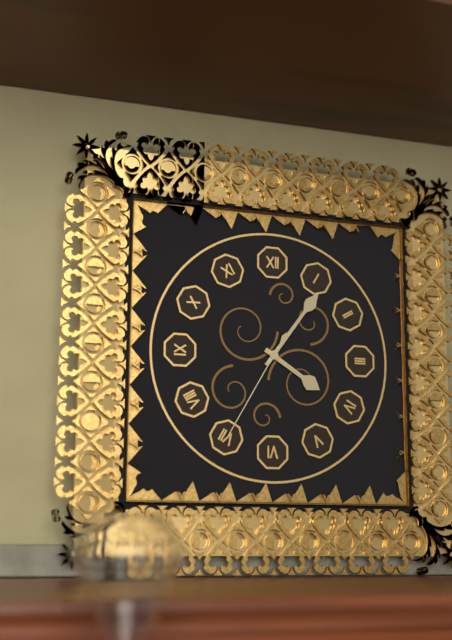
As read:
4:06:35
